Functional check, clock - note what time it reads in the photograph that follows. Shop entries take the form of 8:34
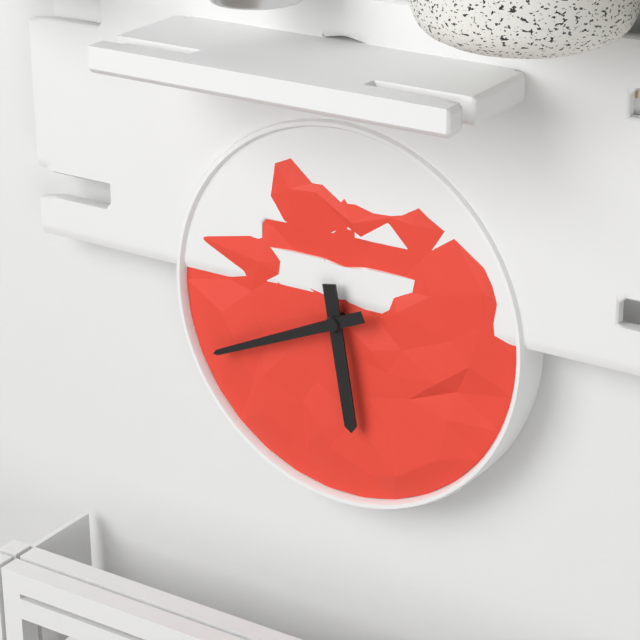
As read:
5:41
